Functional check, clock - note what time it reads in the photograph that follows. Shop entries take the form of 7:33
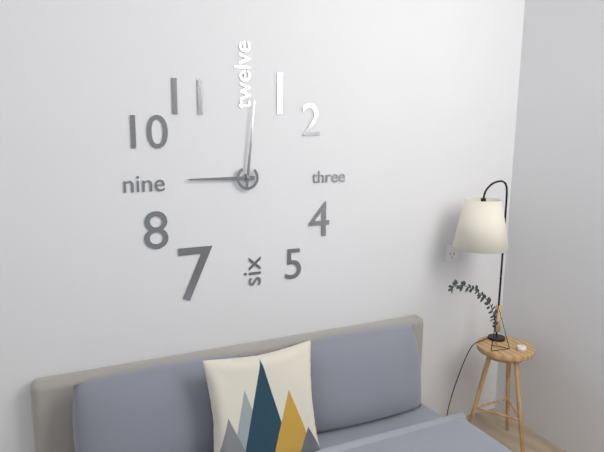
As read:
9:01
